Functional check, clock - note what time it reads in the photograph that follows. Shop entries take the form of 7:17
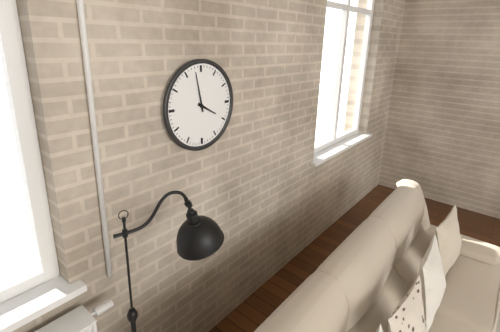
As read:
3:58
